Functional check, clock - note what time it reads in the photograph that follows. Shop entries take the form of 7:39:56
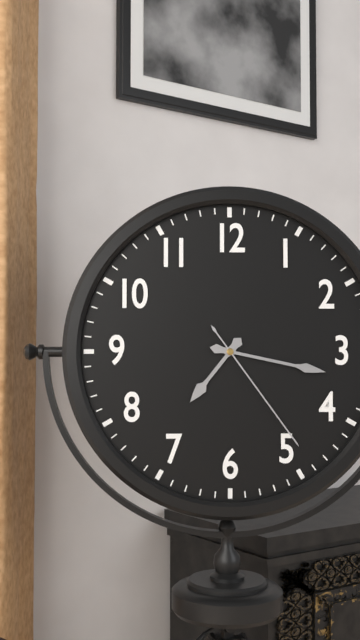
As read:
7:17:24
